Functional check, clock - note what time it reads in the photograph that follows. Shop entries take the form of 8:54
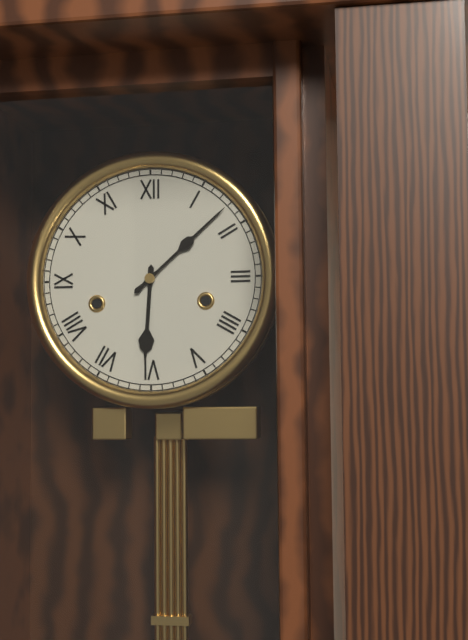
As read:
6:08
